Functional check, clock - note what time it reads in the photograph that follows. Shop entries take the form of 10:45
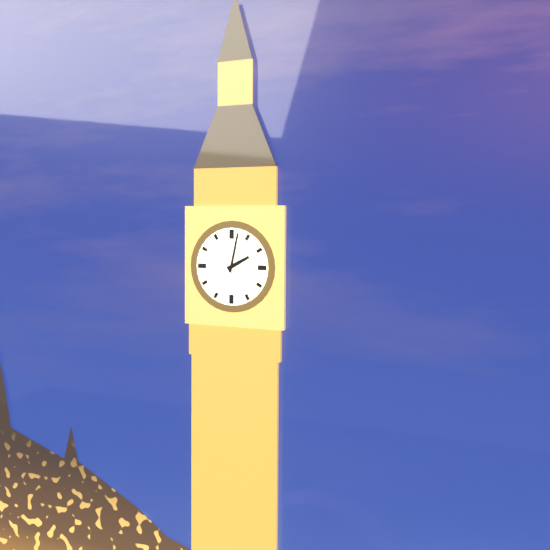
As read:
2:02
